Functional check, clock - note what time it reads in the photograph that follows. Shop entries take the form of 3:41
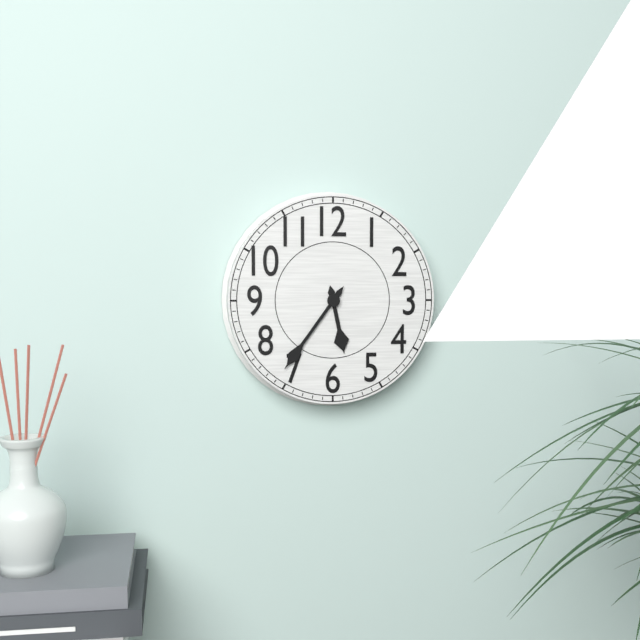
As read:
5:36
